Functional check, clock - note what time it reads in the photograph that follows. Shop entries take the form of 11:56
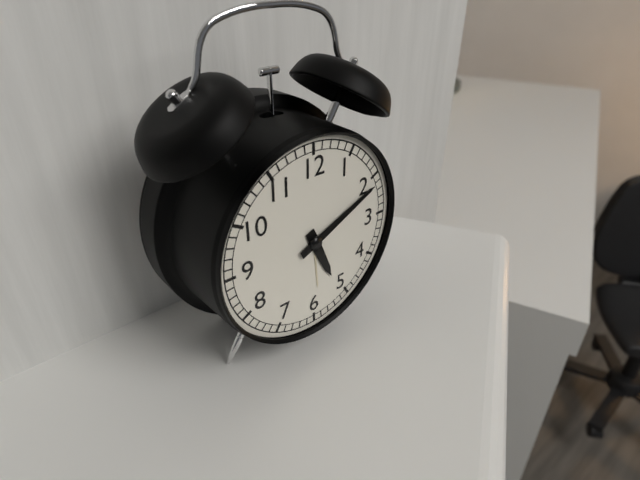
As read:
5:11
